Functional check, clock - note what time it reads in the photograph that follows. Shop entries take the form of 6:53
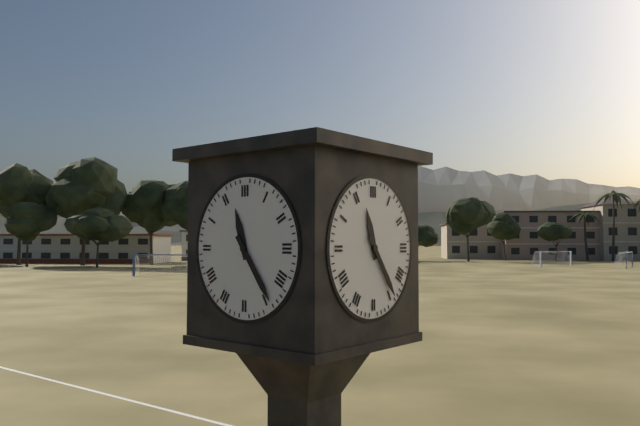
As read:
11:24
